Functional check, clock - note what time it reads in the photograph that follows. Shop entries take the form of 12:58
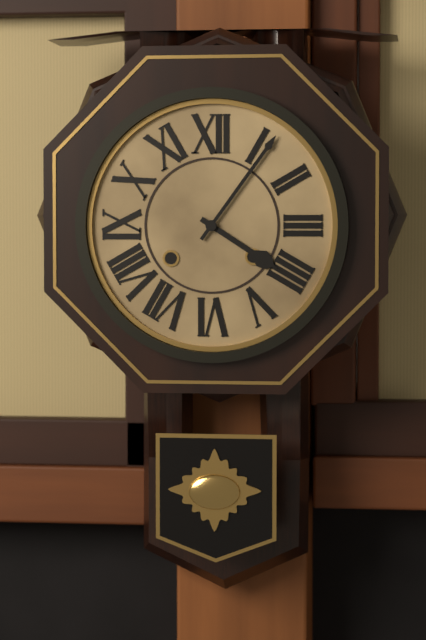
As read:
4:06
